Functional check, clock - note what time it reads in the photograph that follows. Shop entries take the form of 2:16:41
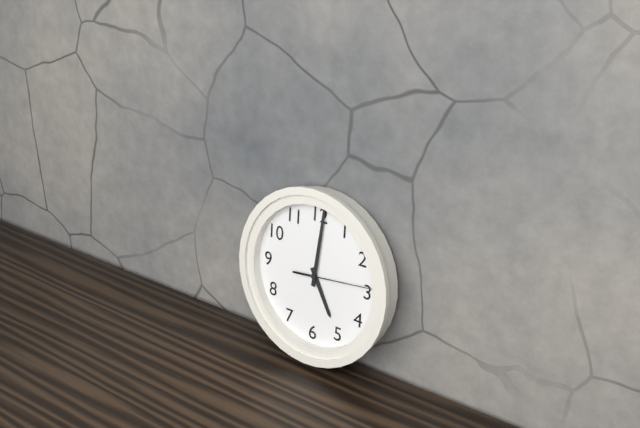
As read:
5:01:14
